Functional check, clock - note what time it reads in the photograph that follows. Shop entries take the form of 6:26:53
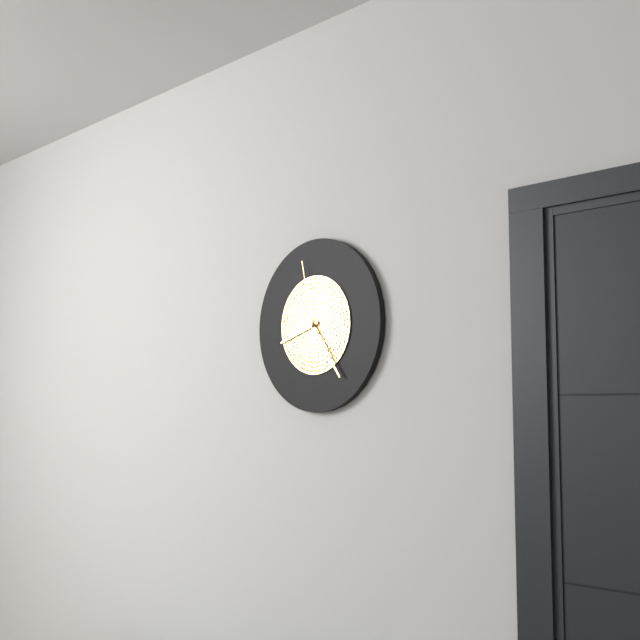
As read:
8:24:58
